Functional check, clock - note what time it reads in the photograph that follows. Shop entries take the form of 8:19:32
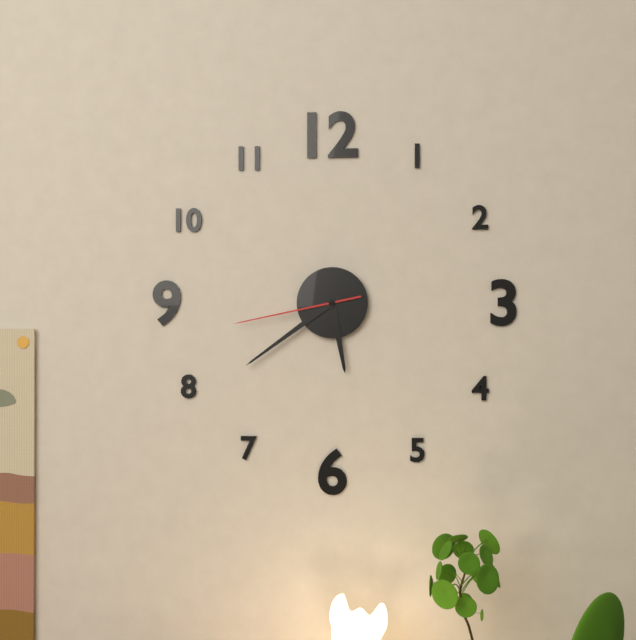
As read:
5:39:43
